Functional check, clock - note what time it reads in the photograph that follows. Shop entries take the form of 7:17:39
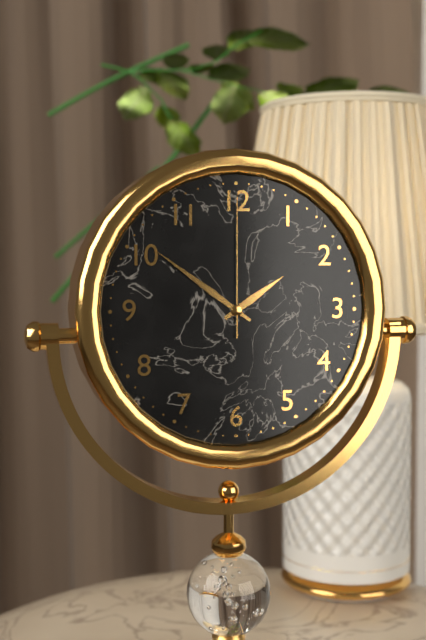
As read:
1:51:00
